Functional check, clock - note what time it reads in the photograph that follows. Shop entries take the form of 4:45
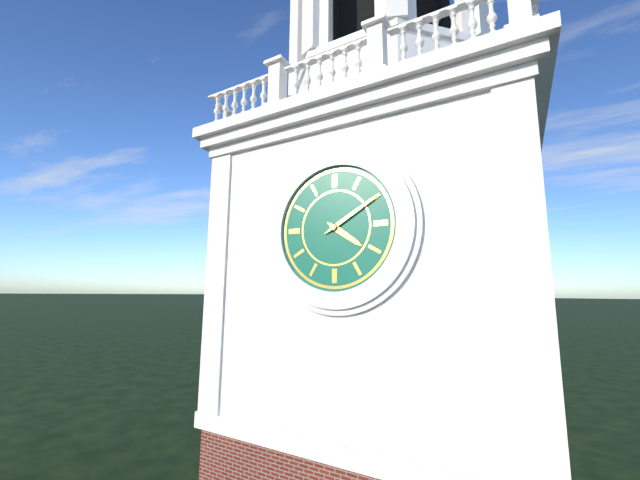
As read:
4:10
